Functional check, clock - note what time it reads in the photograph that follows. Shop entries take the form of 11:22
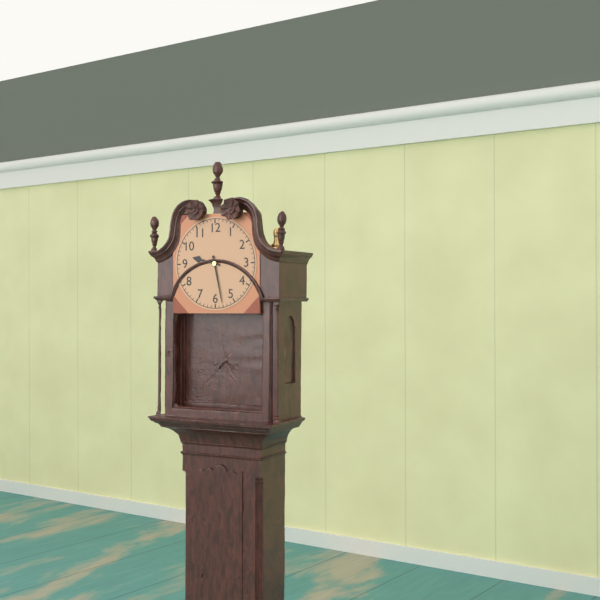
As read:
9:28
